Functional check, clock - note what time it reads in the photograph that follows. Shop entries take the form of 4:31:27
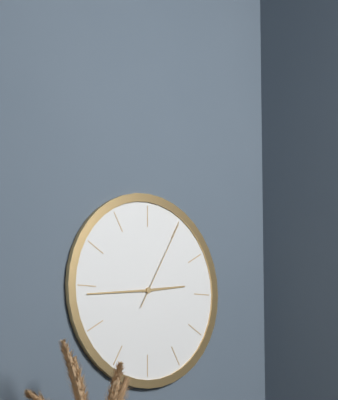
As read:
2:44:05
